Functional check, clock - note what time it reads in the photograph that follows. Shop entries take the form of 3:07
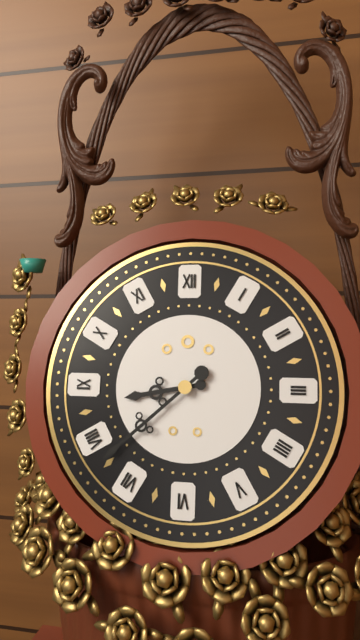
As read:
8:38
